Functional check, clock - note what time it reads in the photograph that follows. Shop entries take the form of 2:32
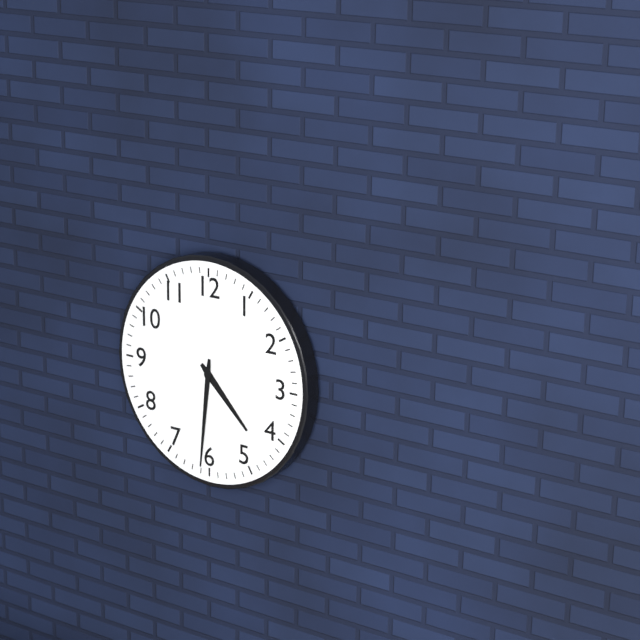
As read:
4:31
